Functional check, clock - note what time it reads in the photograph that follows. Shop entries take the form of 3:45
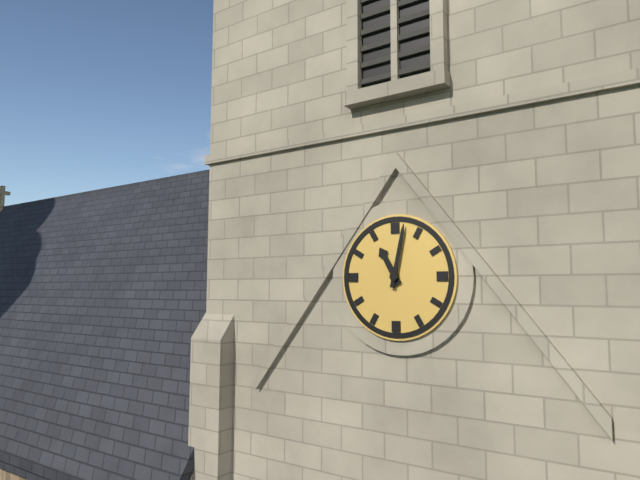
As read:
11:02
